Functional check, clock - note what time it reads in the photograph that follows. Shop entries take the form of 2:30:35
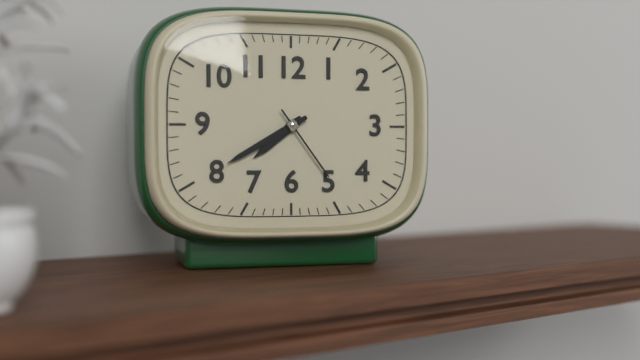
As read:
7:40:24
